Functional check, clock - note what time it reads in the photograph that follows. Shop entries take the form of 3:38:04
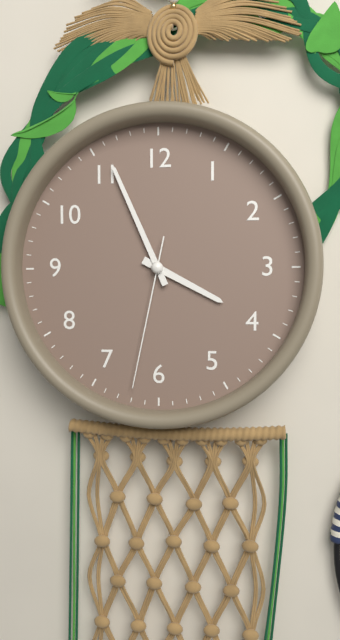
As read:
3:56:32
